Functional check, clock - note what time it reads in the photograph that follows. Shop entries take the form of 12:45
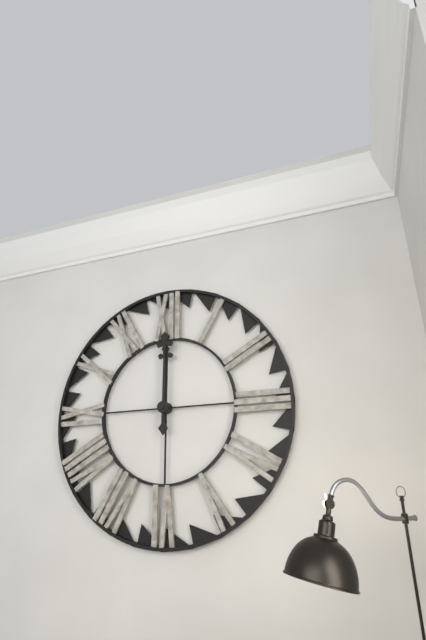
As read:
12:00
